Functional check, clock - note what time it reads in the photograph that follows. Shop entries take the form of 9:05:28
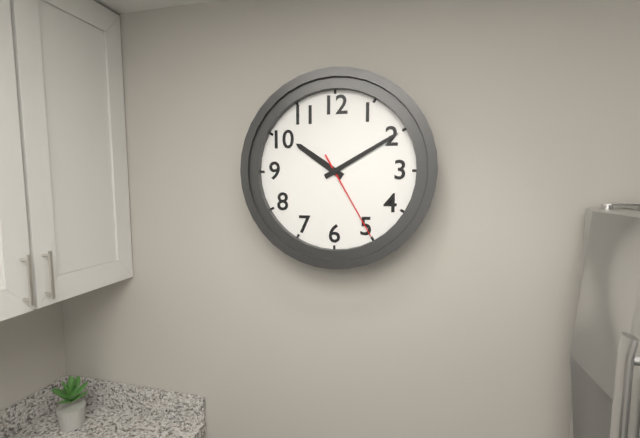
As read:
10:10:25
